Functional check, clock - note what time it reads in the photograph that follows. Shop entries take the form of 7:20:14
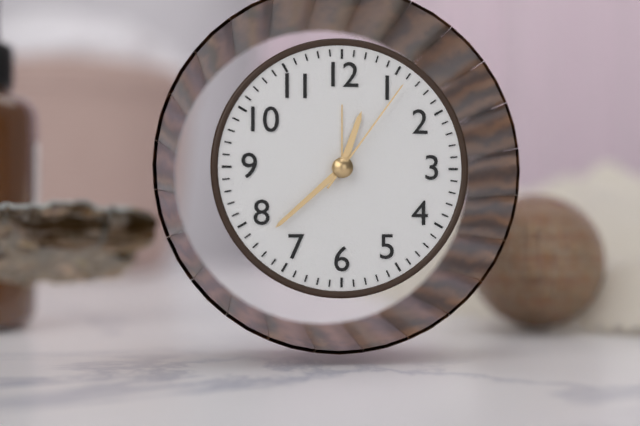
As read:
12:38:06
